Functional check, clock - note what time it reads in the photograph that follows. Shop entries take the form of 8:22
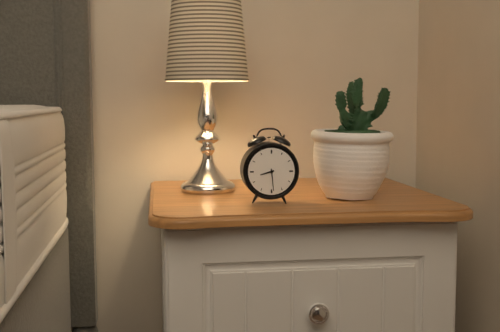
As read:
8:29
